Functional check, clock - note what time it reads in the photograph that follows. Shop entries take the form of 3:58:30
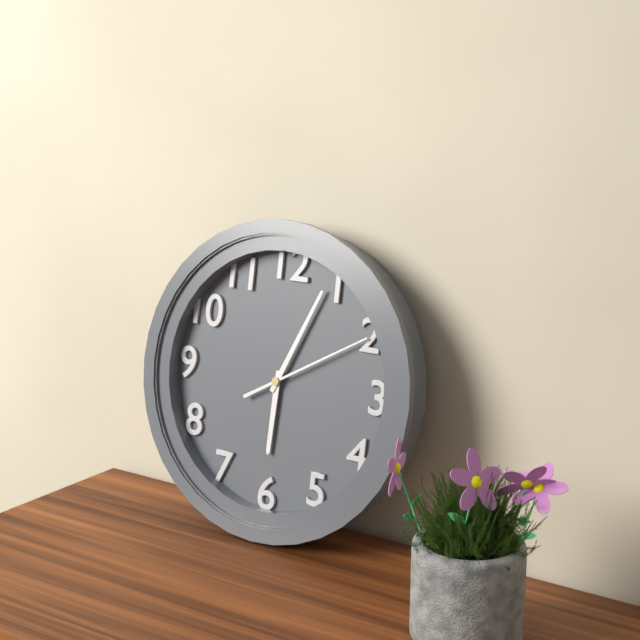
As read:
6:04:10
